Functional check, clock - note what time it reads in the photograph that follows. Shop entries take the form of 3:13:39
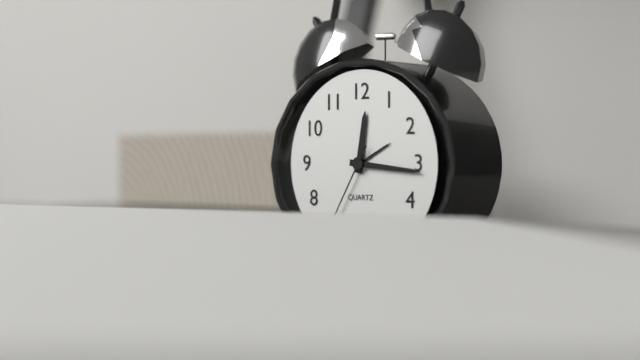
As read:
12:16:35
